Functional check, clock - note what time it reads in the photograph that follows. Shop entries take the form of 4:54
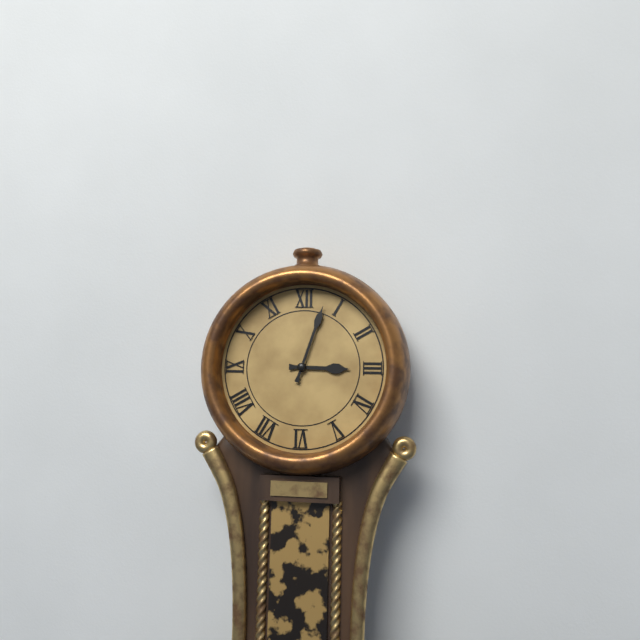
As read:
3:03
